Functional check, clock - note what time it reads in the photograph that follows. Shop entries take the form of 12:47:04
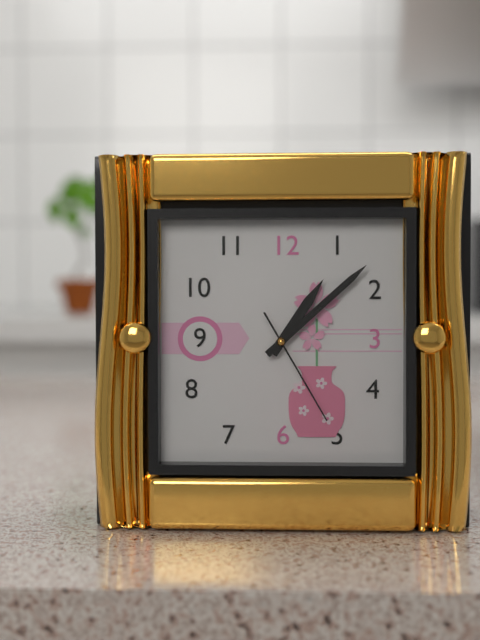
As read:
1:08:25
